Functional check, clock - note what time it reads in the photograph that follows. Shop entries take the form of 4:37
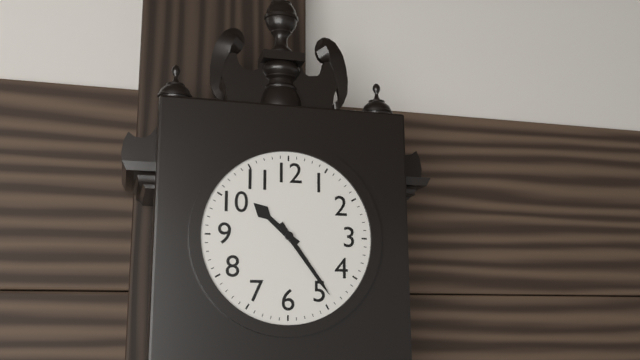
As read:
10:24
